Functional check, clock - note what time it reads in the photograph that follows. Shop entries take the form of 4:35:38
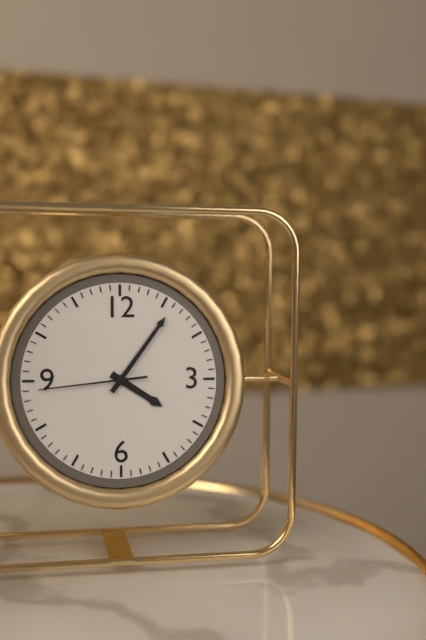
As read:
4:06:44
